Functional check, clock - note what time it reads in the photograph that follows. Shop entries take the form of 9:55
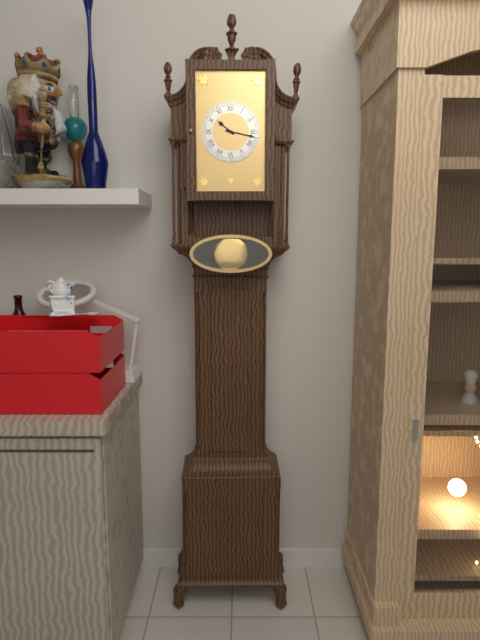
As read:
10:17
